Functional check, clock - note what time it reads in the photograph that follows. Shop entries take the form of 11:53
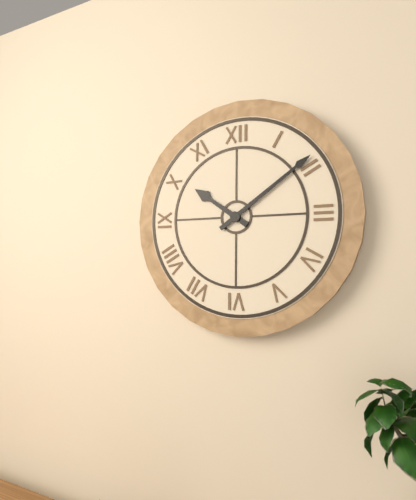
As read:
10:09
